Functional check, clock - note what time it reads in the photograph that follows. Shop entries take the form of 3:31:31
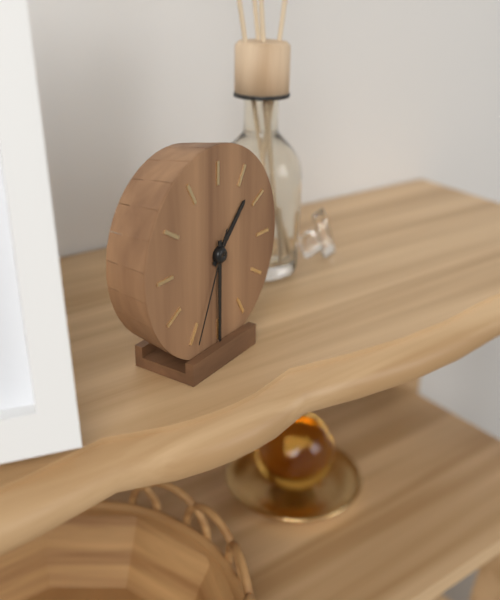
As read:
1:30:34
